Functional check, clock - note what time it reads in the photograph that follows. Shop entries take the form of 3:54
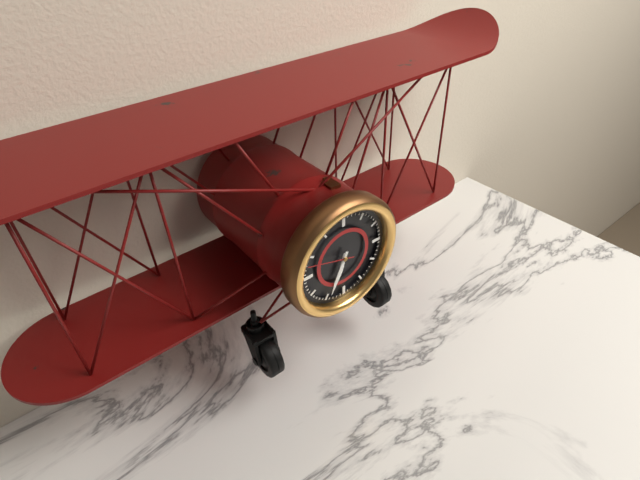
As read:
6:34
